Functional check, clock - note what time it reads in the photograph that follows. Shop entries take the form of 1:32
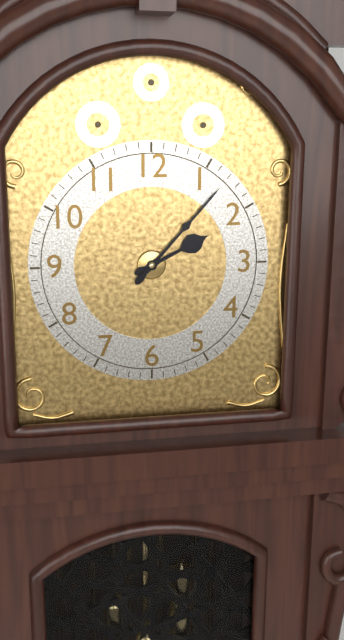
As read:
2:07
